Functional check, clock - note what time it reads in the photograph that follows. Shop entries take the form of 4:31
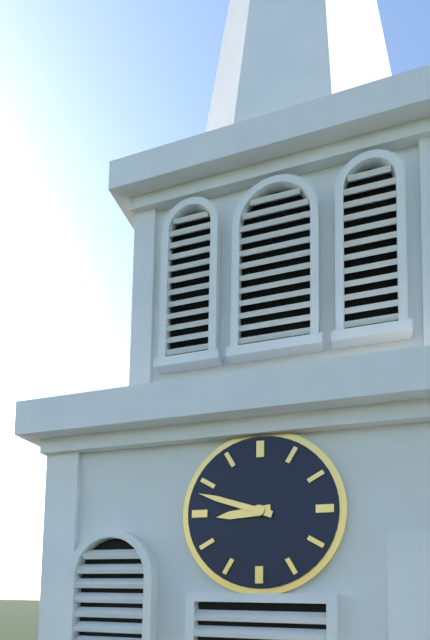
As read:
8:48
